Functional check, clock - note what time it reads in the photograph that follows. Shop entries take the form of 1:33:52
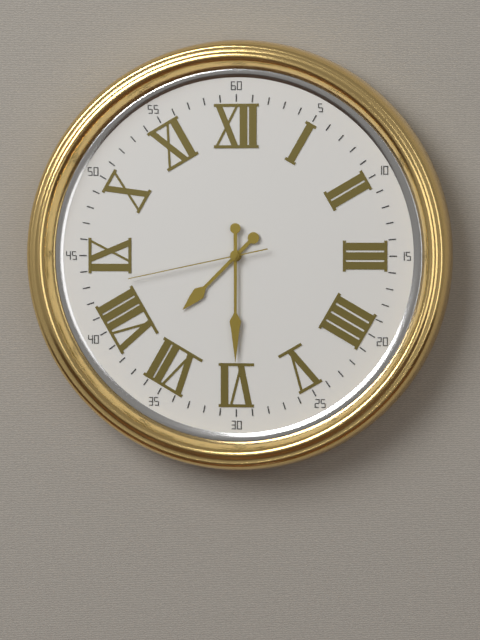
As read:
7:30:43
